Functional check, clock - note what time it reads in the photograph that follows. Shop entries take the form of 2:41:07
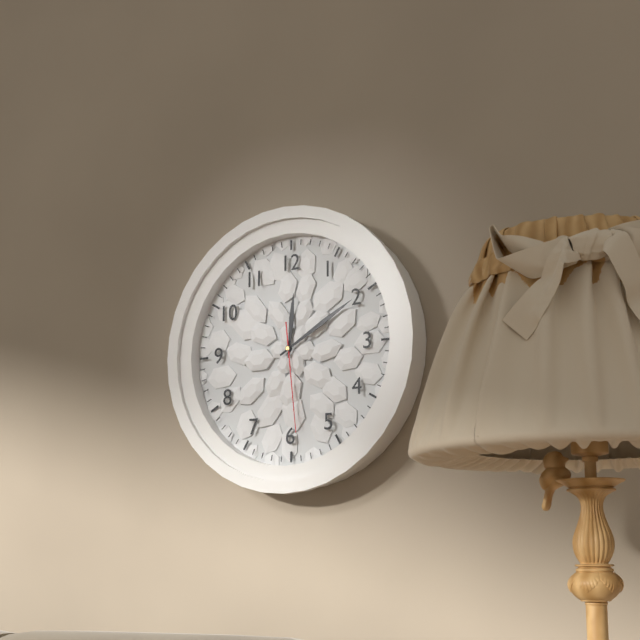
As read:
12:10:29
